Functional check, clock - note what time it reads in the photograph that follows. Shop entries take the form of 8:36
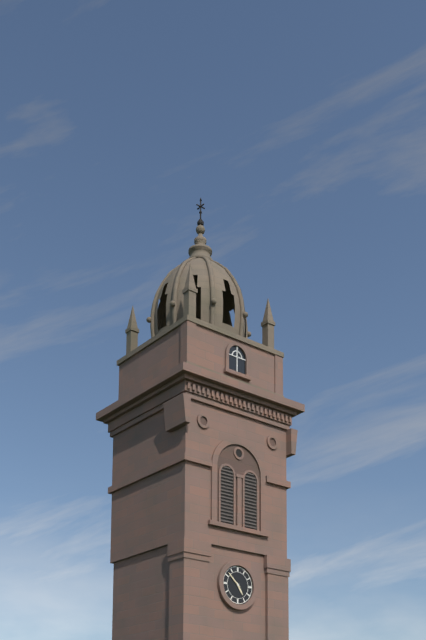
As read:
4:52
